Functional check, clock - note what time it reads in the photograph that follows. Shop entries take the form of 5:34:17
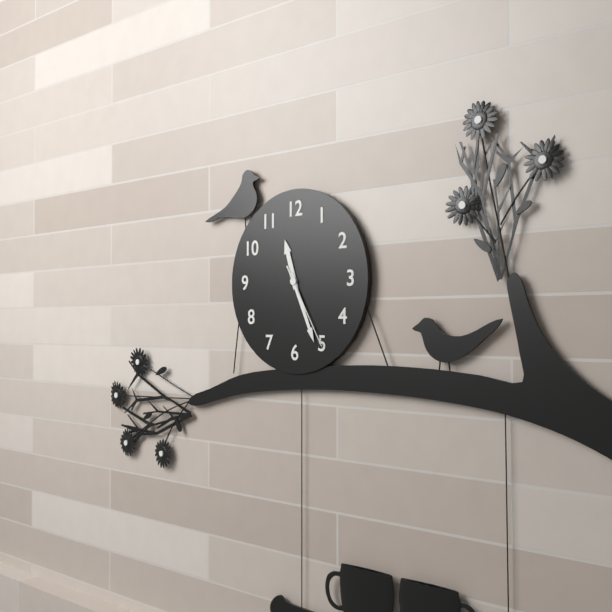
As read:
11:26:25
